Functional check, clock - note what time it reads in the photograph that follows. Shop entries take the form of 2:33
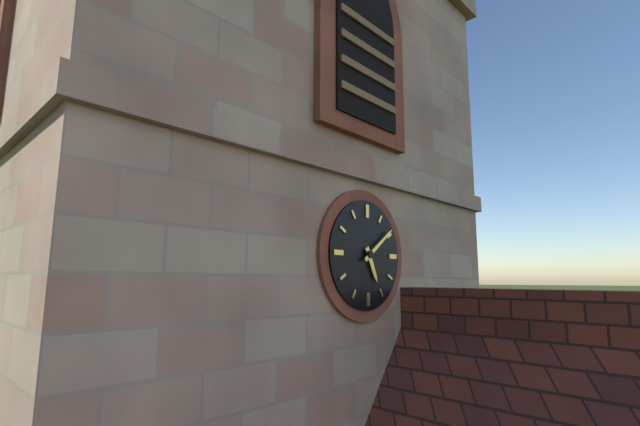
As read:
5:09
